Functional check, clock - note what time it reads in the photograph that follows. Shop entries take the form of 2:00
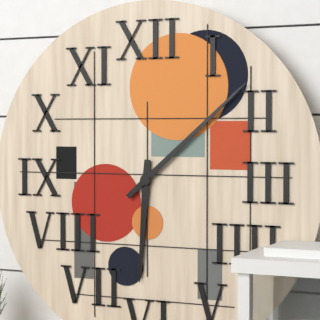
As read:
6:08
